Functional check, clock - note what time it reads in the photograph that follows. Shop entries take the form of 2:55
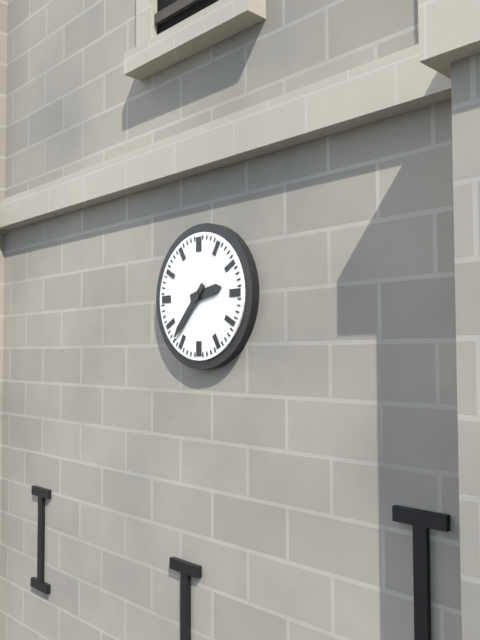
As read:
2:37
